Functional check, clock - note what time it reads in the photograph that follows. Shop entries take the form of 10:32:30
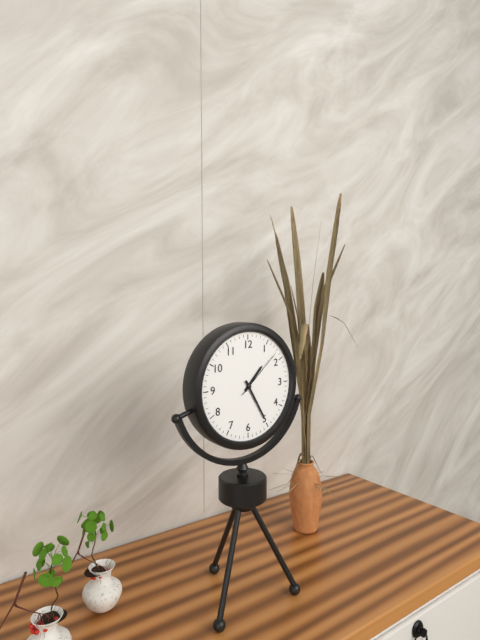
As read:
1:25:08
